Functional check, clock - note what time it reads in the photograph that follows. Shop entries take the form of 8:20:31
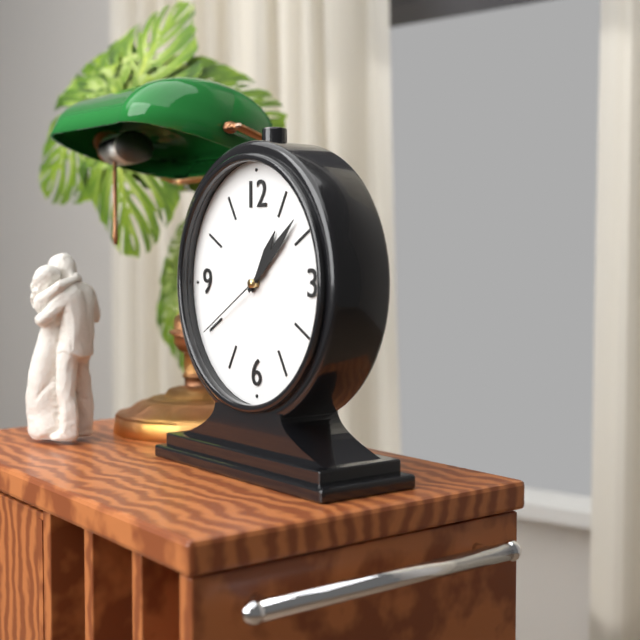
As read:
1:08:40
